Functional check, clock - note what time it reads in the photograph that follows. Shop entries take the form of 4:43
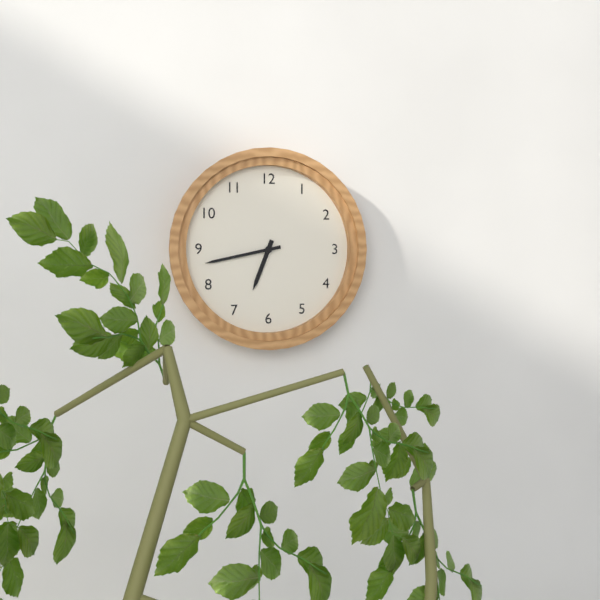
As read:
6:43
